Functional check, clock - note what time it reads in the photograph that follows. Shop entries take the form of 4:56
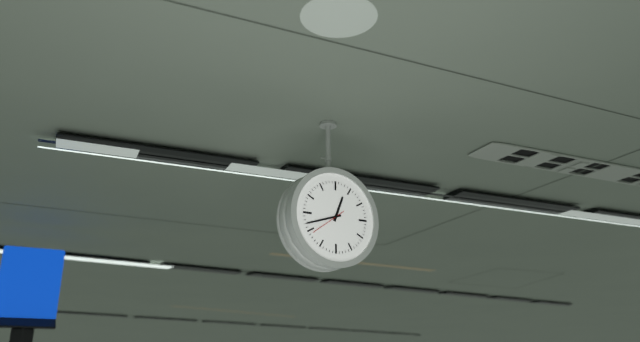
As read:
12:42
